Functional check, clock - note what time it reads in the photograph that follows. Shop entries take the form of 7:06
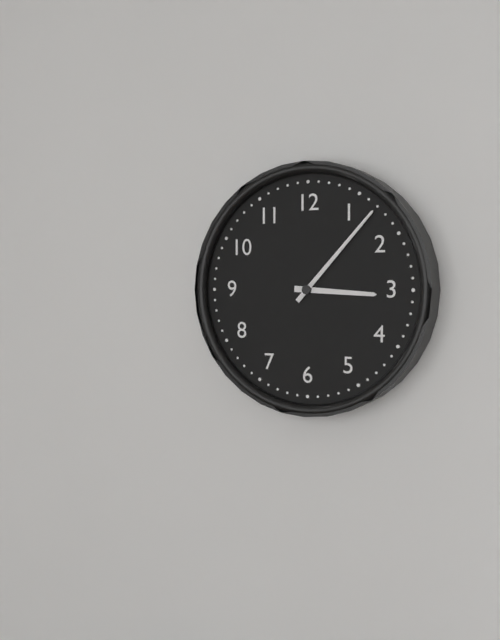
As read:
3:07
